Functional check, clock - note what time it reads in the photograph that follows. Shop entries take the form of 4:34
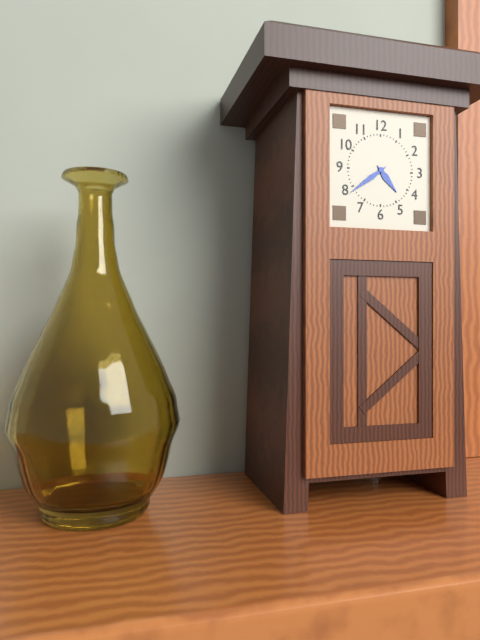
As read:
4:39
